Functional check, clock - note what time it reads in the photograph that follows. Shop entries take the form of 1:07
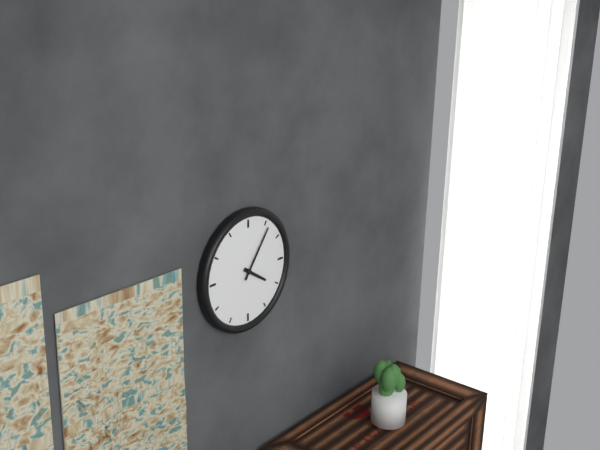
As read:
4:06
